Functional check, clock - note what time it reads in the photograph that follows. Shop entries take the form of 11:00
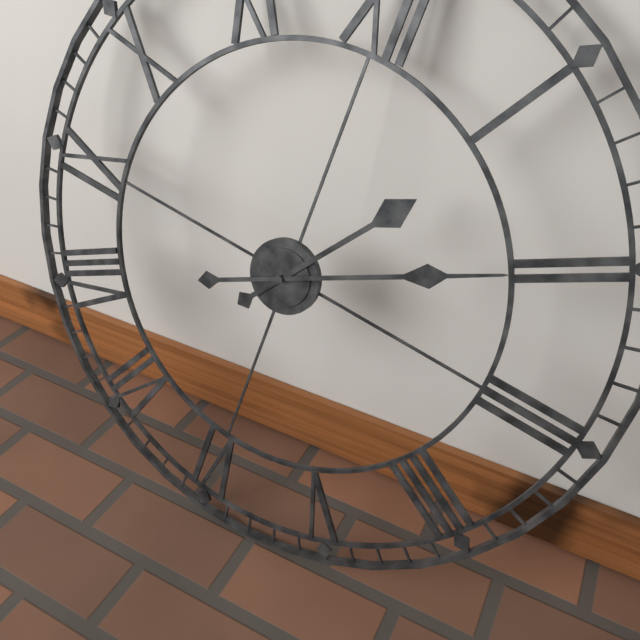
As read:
1:10
